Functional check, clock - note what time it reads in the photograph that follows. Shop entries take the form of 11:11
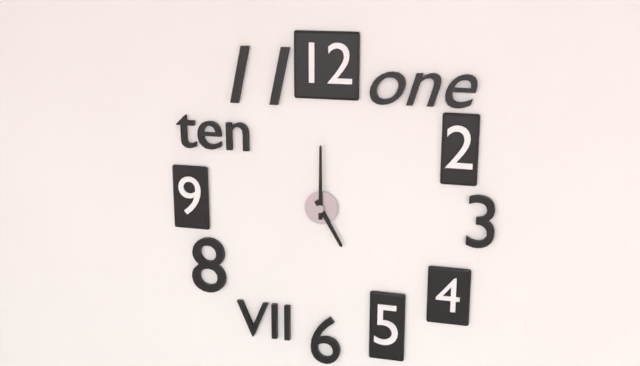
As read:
5:00
